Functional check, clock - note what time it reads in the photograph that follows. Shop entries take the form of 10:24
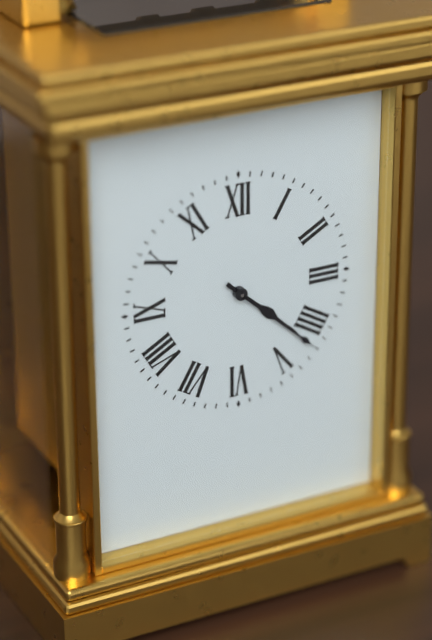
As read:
4:22
